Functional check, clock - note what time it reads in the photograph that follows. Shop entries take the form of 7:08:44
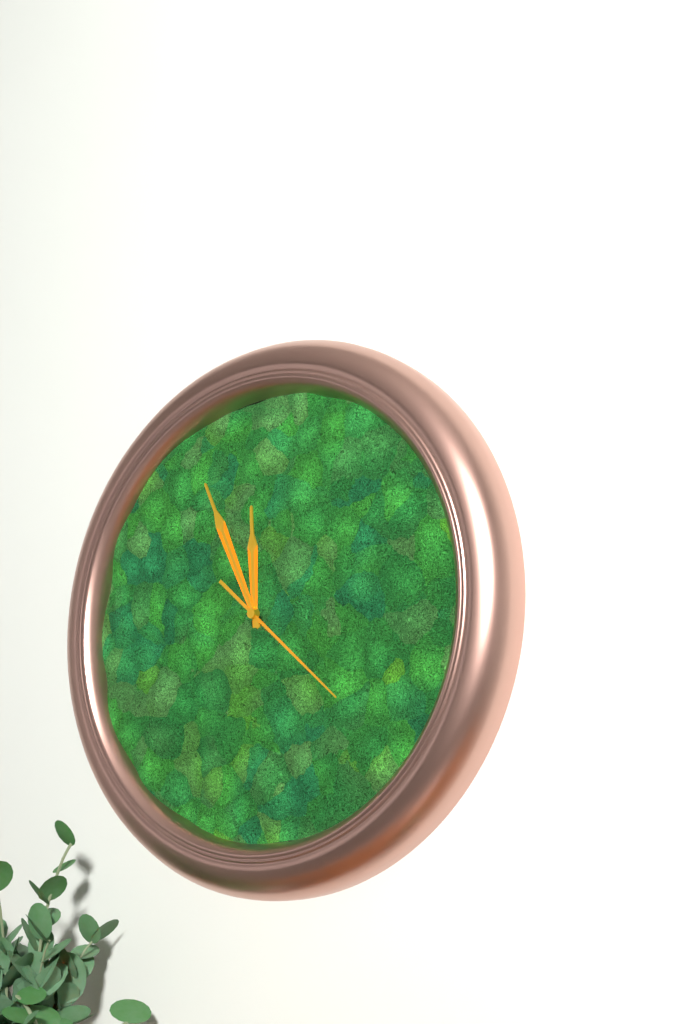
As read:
11:56:22
